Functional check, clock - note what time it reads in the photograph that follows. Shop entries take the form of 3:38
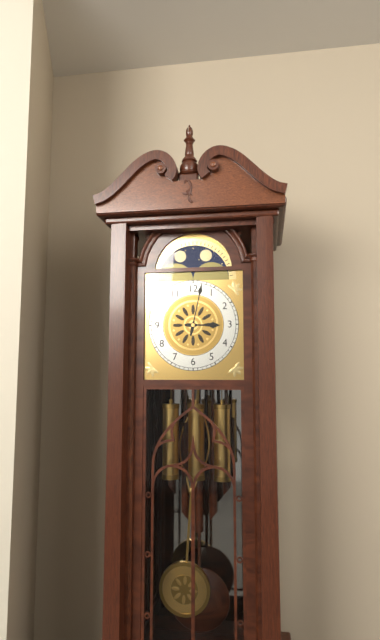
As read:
3:02
